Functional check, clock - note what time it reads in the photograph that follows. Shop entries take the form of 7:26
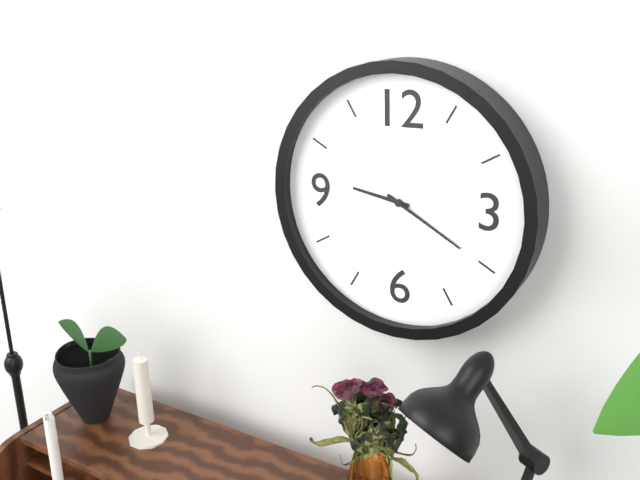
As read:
9:20
